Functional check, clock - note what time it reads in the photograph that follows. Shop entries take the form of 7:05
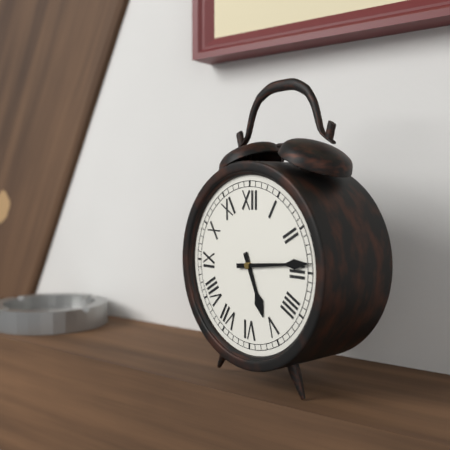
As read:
5:14
